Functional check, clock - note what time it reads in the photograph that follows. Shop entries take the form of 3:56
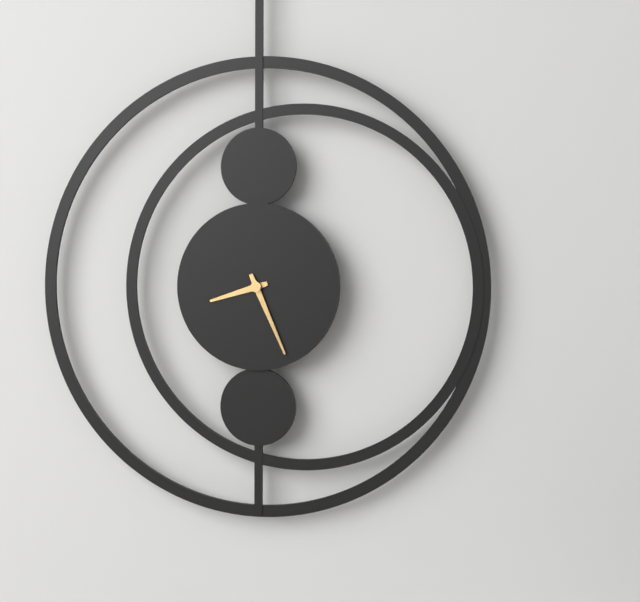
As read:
8:26
